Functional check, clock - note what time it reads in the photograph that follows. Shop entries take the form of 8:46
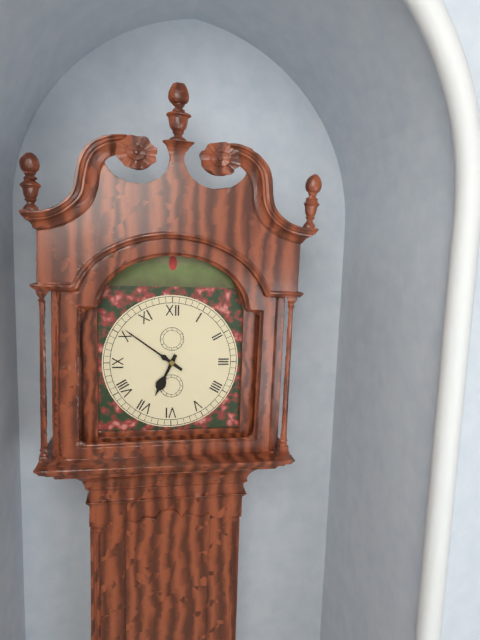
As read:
6:51
